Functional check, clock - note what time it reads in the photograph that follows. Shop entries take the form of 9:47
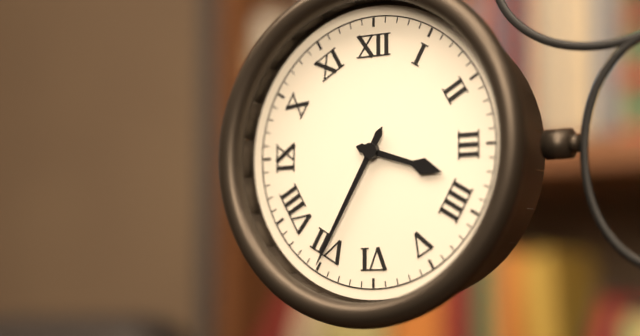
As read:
3:35
